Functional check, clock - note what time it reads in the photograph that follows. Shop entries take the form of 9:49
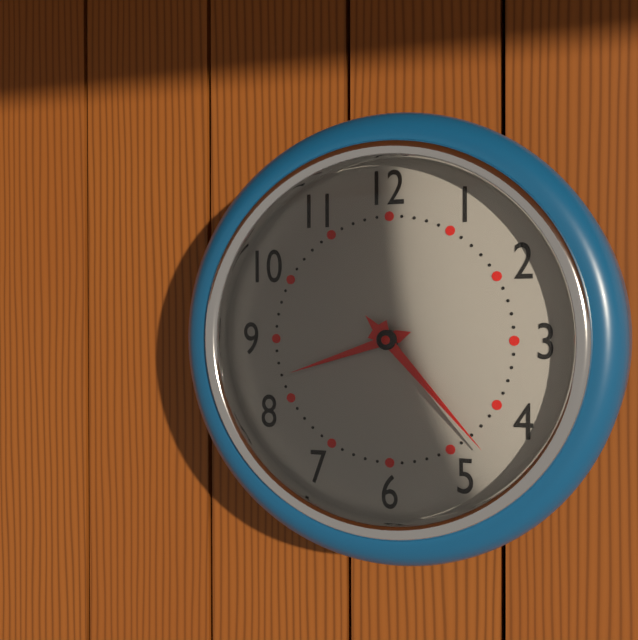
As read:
8:23
